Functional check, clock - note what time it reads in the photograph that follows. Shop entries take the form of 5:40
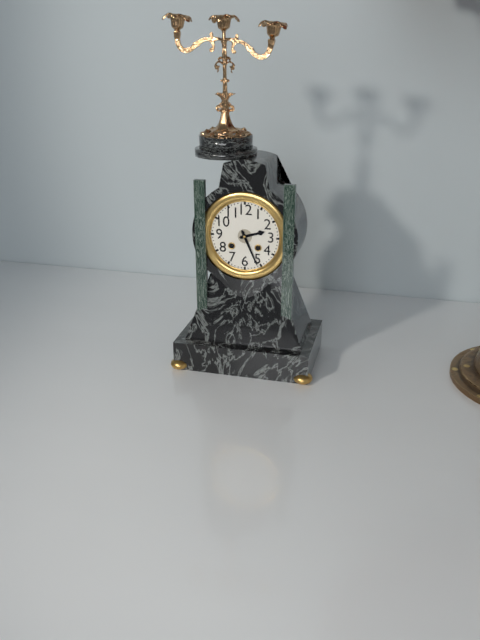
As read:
2:26
